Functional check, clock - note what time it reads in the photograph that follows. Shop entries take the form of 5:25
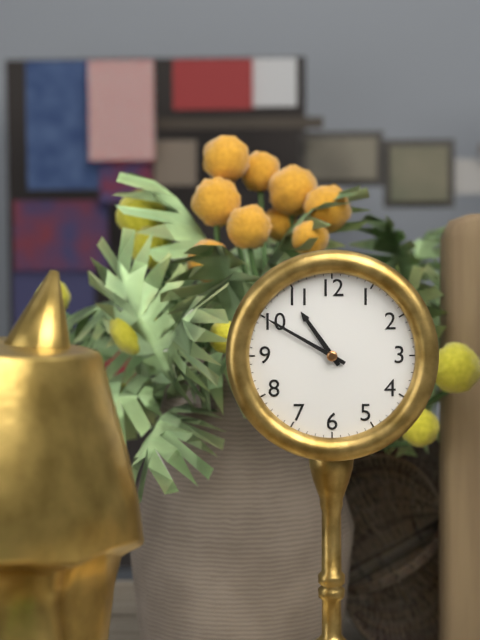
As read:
10:50
